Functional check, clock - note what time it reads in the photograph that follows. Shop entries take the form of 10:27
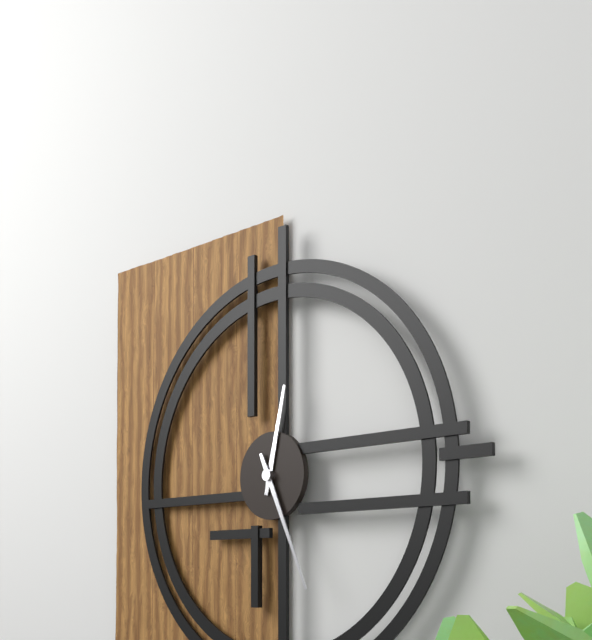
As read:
12:26
